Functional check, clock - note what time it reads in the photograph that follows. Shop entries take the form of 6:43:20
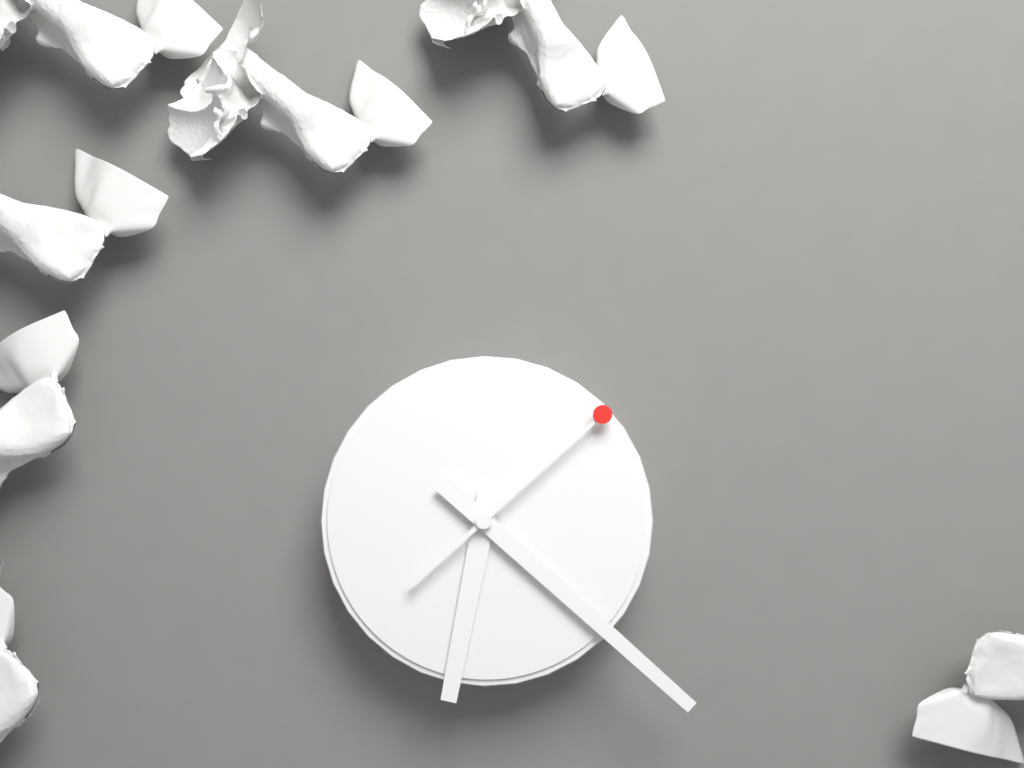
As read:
6:22:08
